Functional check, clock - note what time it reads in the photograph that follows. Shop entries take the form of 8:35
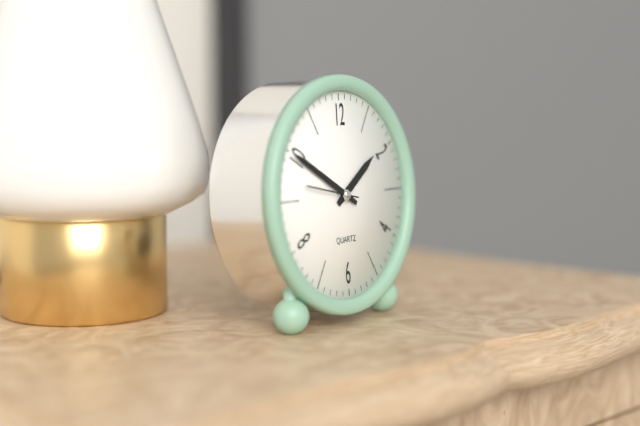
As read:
1:50
